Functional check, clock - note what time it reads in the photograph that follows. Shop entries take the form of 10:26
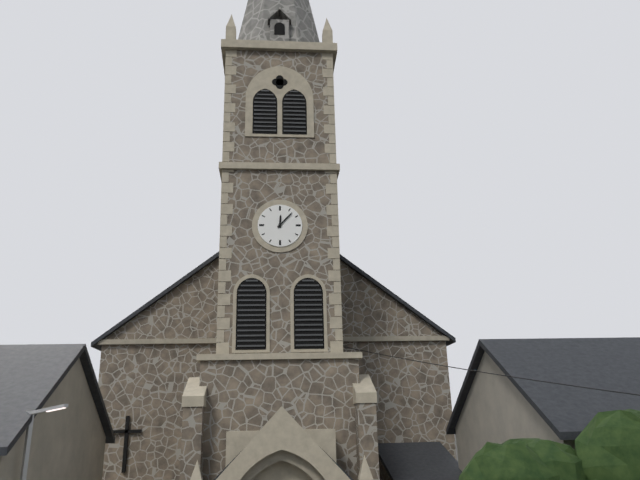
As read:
12:07
